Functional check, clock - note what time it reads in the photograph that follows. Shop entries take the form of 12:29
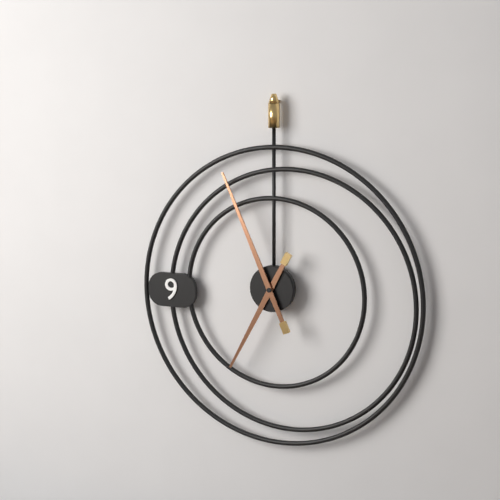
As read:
6:56
